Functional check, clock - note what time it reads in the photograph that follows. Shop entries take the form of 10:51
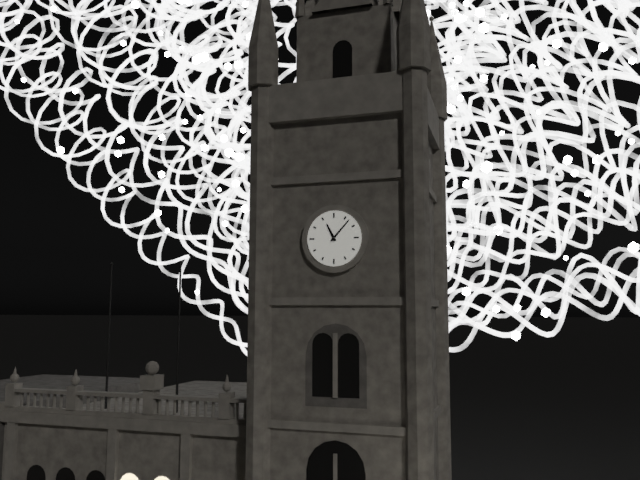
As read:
11:07
